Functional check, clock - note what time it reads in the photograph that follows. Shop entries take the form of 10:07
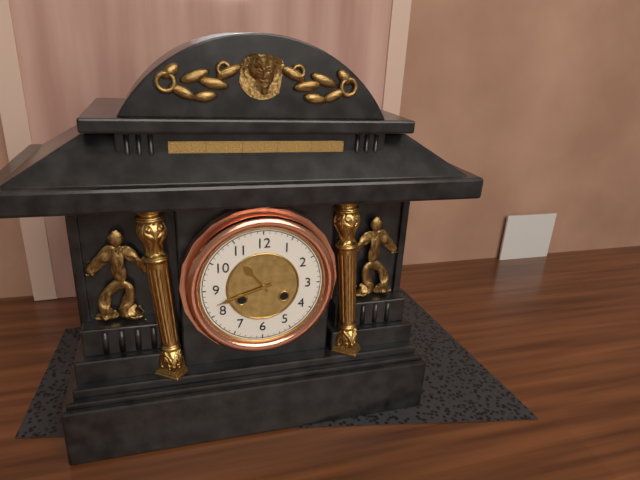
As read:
10:42
